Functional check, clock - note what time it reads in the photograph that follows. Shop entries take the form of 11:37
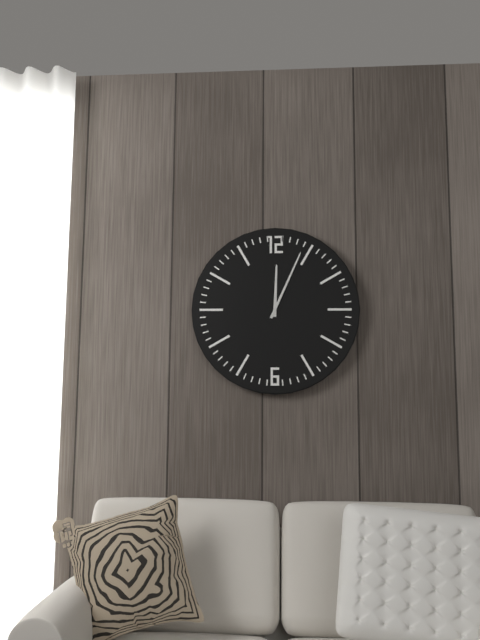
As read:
12:04
